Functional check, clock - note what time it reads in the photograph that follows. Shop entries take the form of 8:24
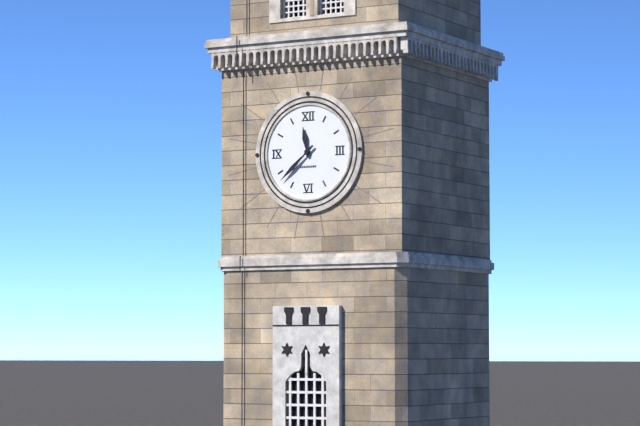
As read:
11:38
